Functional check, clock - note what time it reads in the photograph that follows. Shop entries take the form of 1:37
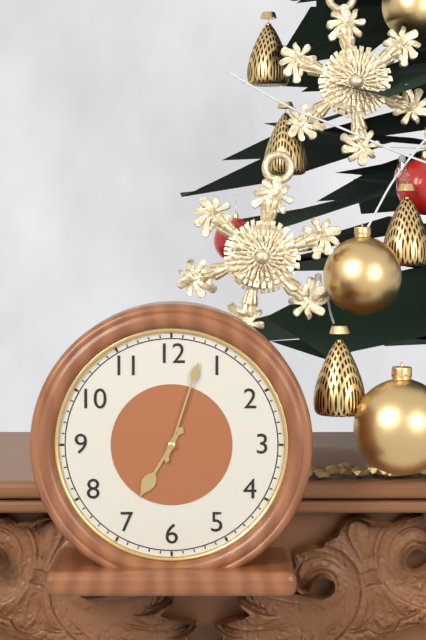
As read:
7:03
